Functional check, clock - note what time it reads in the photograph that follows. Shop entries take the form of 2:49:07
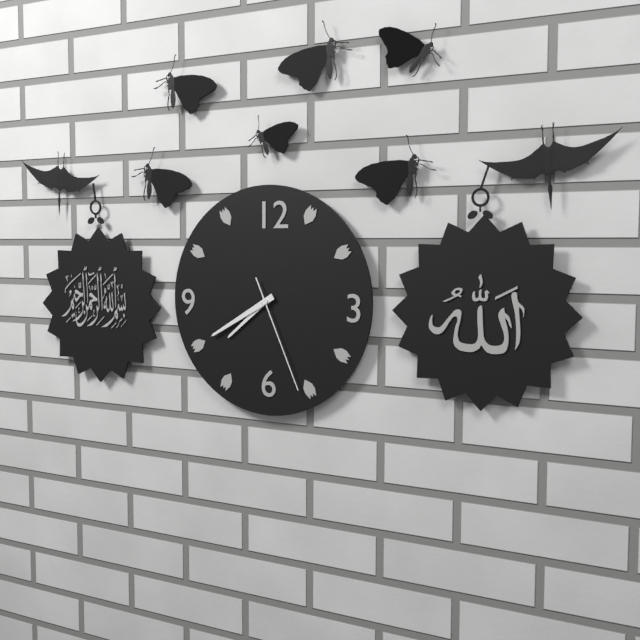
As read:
7:40:26
